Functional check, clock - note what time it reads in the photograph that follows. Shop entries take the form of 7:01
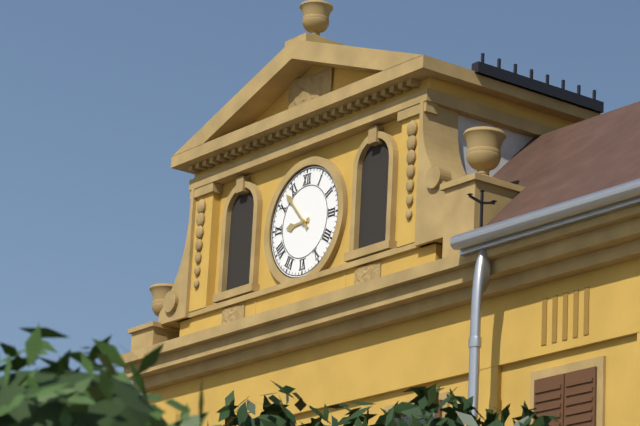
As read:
8:53
